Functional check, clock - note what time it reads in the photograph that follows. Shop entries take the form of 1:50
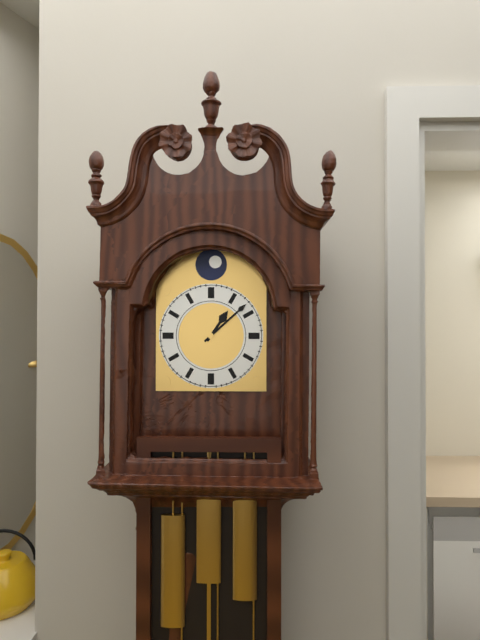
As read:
1:08
